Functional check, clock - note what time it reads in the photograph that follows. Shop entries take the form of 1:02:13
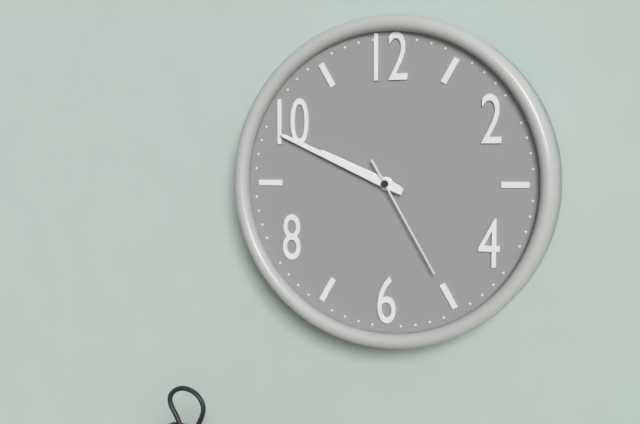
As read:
9:49:25
